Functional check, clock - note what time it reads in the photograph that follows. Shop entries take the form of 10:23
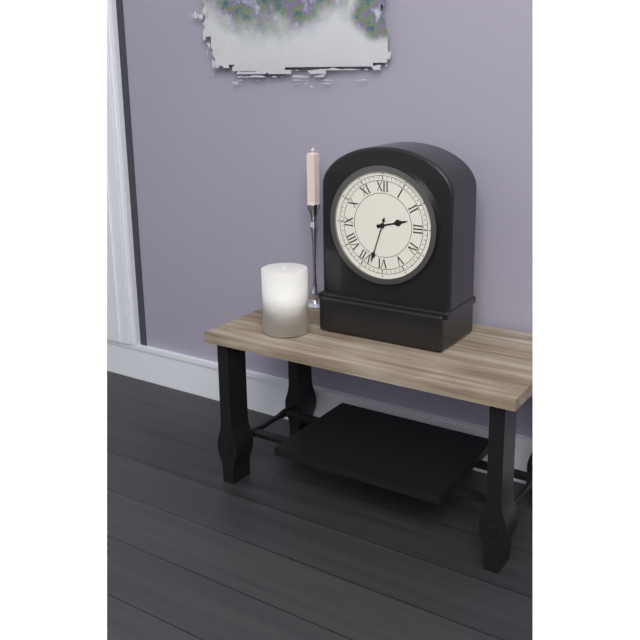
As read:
2:33
